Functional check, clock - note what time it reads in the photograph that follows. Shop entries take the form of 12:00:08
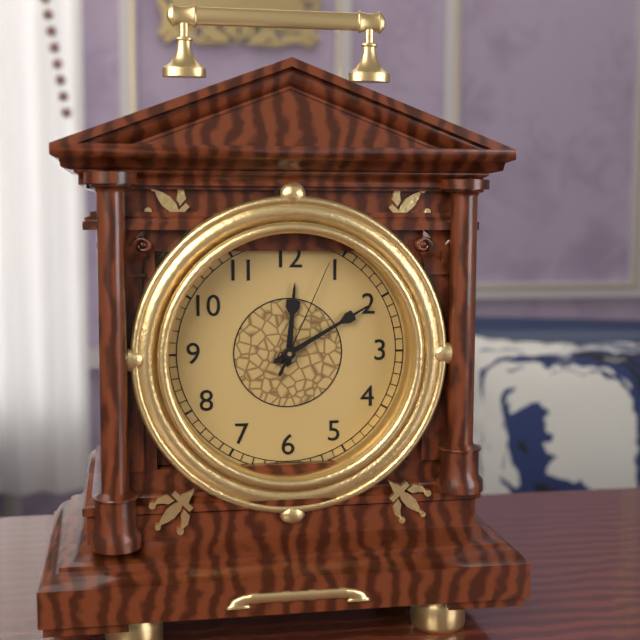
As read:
12:10:04
